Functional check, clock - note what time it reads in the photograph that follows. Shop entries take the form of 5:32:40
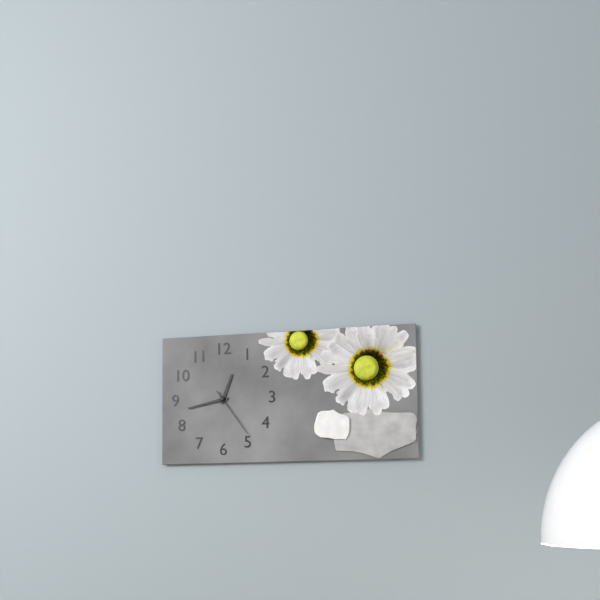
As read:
12:43:24
